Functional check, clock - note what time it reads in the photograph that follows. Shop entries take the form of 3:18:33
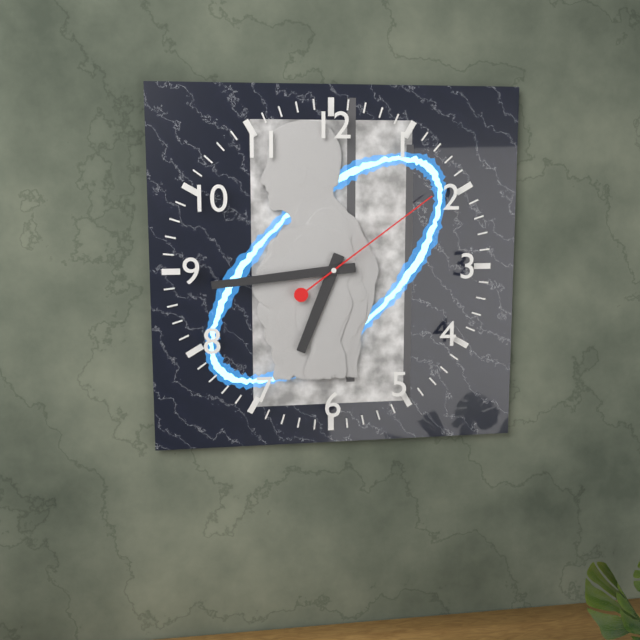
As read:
6:44:09
